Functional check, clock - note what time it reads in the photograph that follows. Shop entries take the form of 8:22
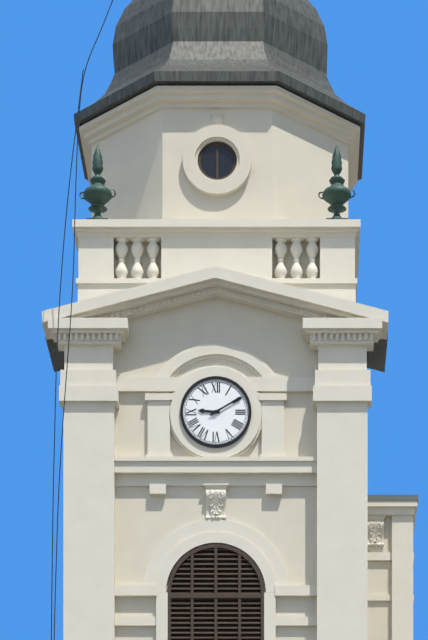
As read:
9:10
